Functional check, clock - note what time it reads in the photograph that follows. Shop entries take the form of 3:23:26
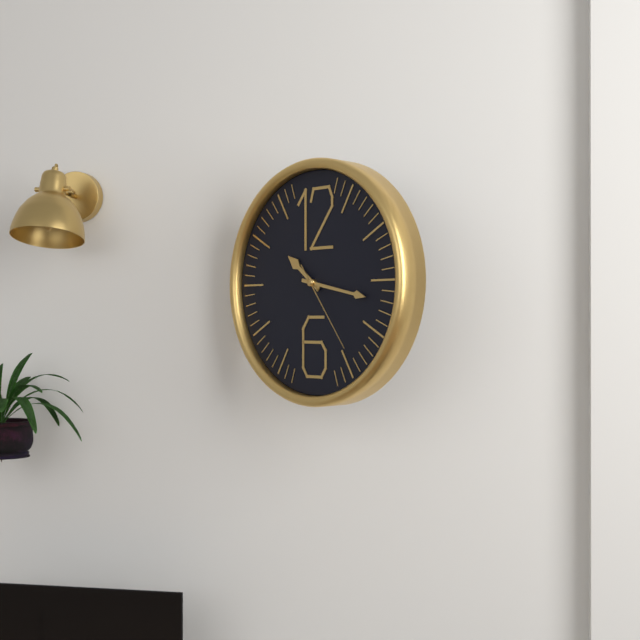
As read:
10:17:24
